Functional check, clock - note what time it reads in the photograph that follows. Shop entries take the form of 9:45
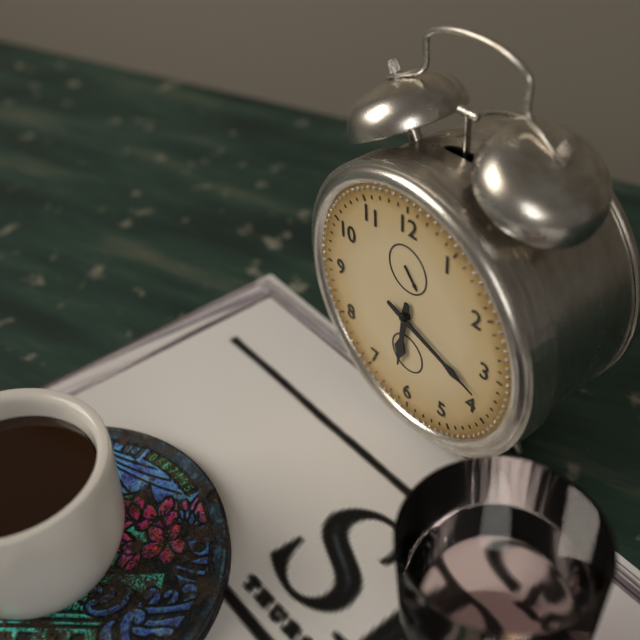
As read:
6:18
